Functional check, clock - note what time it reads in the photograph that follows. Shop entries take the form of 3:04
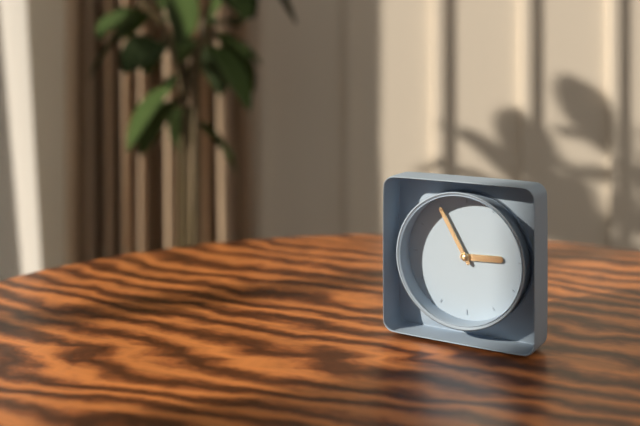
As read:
2:55
